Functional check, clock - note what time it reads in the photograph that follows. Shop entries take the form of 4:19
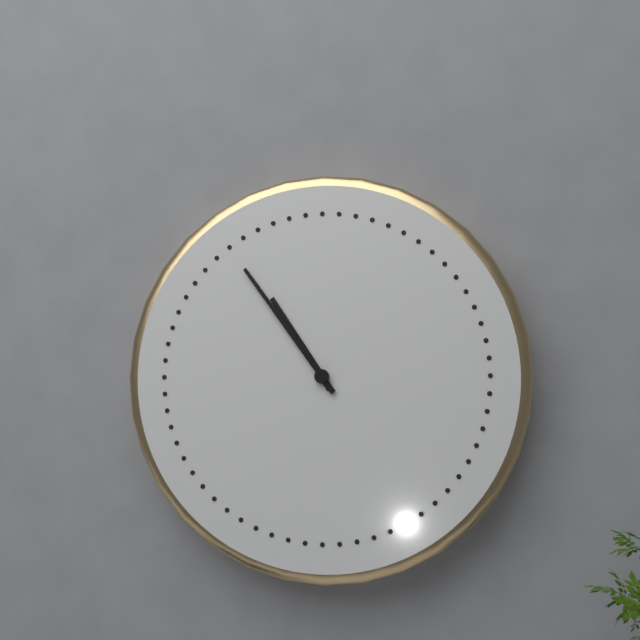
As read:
10:54
